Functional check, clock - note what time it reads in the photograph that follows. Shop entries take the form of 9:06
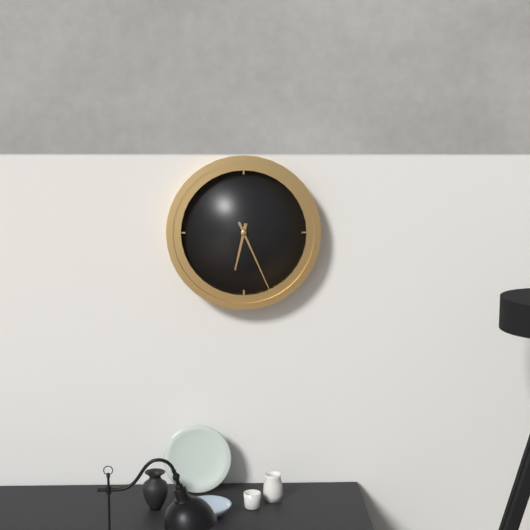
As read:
6:26
